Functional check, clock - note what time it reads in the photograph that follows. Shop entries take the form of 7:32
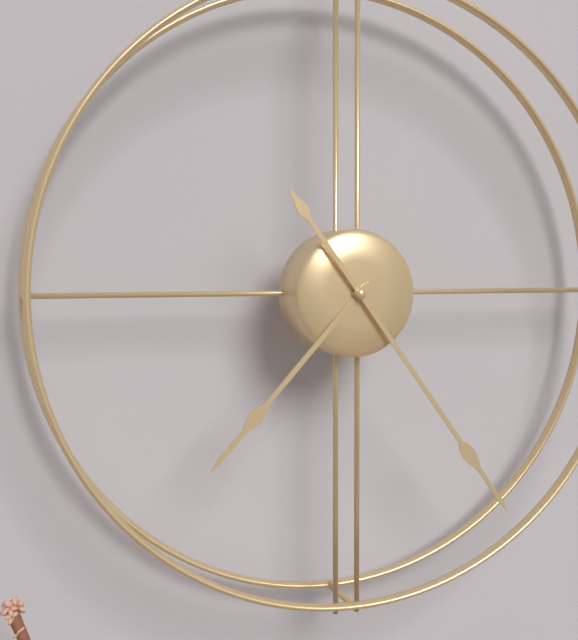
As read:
7:24
